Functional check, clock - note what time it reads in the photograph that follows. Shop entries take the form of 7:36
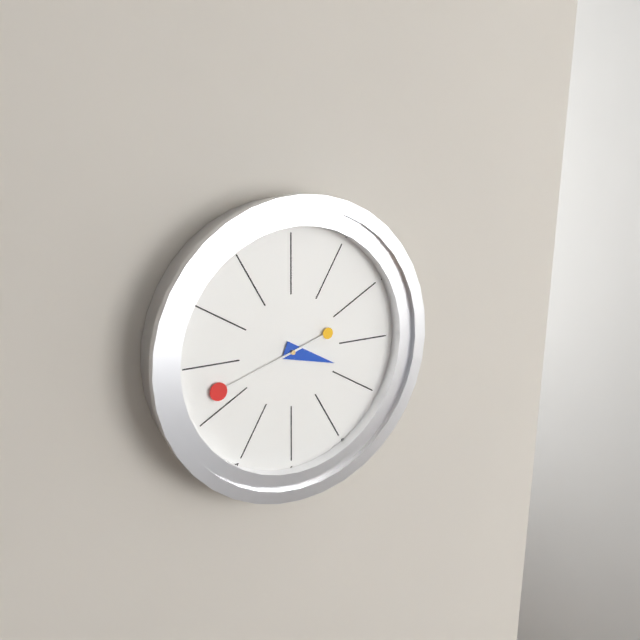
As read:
3:42
